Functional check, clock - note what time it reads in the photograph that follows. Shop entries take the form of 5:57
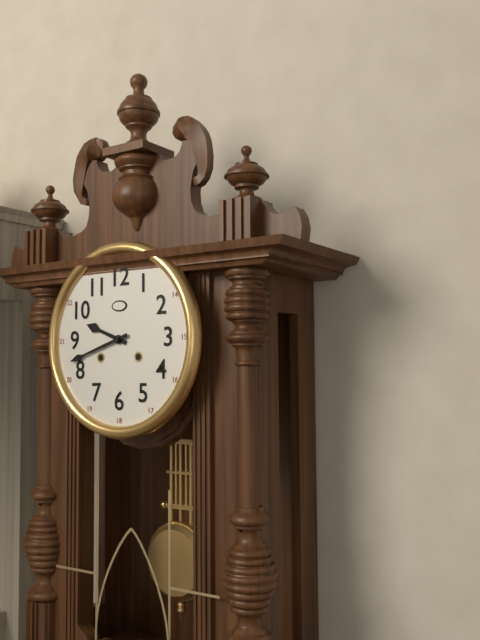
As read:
9:42
